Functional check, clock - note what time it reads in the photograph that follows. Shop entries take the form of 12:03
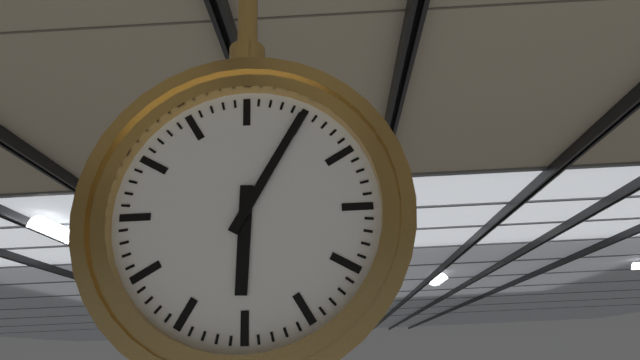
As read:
6:05
